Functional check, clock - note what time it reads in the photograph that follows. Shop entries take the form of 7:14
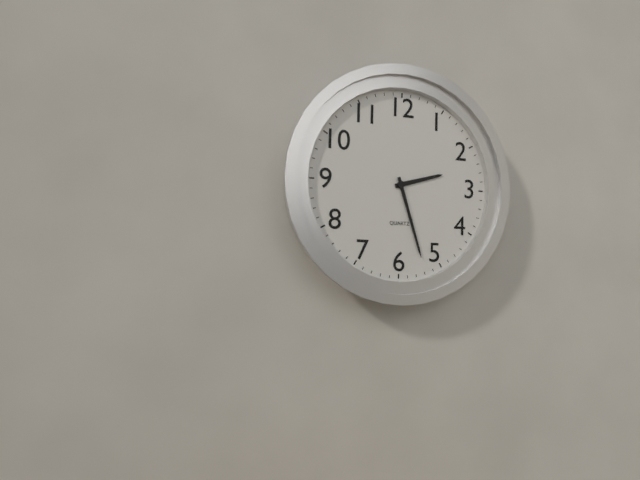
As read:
2:27
